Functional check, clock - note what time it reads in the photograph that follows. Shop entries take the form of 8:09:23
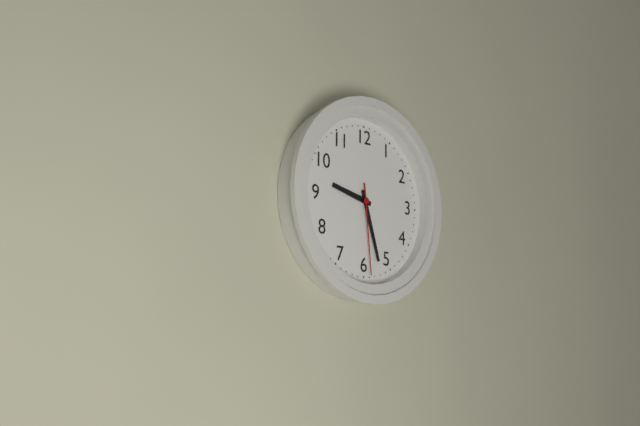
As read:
9:27:29
